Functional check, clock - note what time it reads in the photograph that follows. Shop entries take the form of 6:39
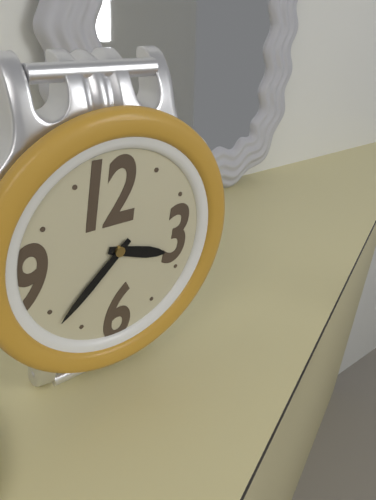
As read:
3:38
